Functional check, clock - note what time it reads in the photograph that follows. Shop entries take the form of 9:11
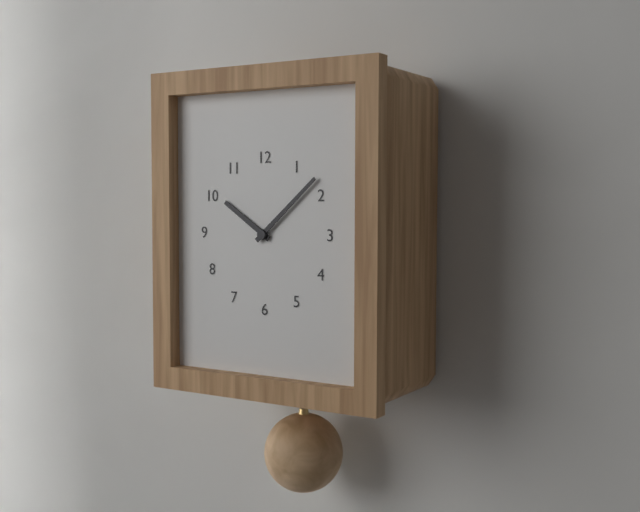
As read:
10:08
